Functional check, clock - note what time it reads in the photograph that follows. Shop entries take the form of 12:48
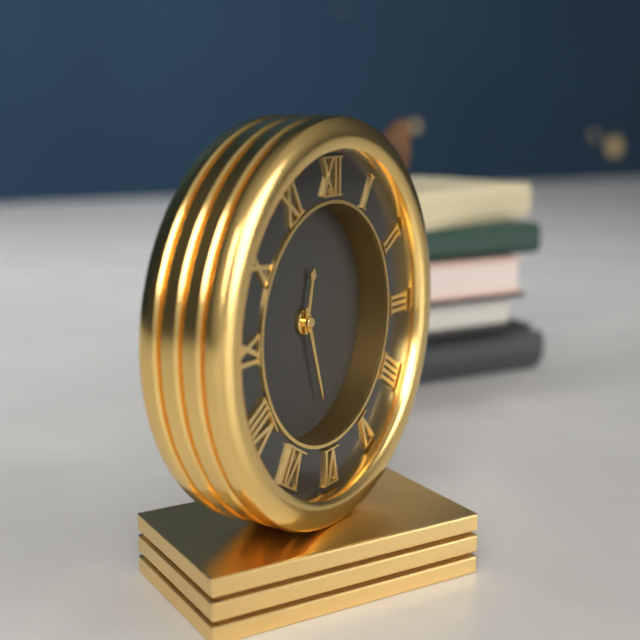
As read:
12:27
